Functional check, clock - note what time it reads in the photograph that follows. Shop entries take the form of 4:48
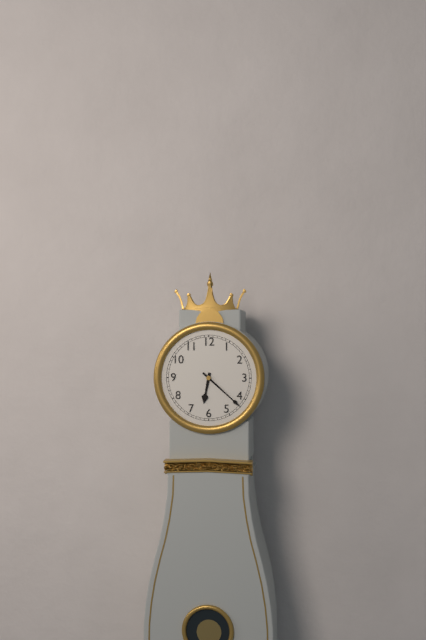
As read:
6:22
